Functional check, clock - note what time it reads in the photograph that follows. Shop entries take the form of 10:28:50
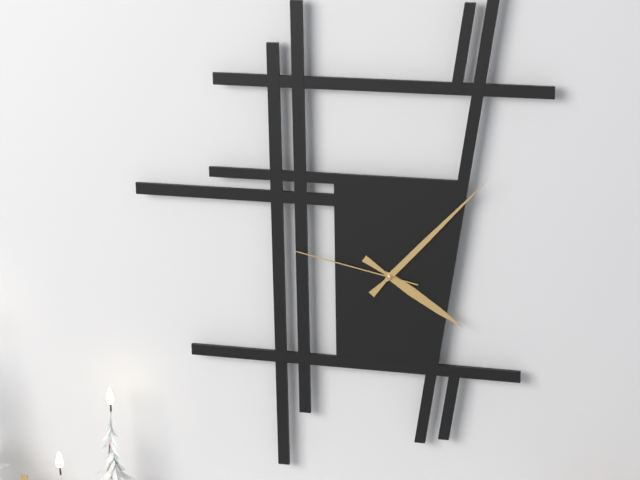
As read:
4:07:47
